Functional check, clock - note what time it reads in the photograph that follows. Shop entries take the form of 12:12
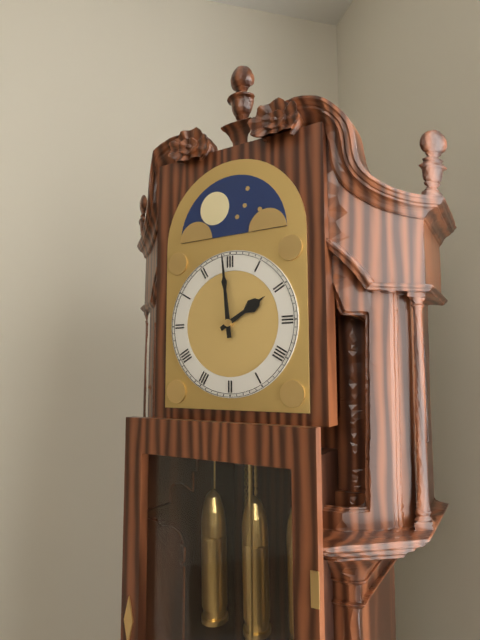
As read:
1:59
